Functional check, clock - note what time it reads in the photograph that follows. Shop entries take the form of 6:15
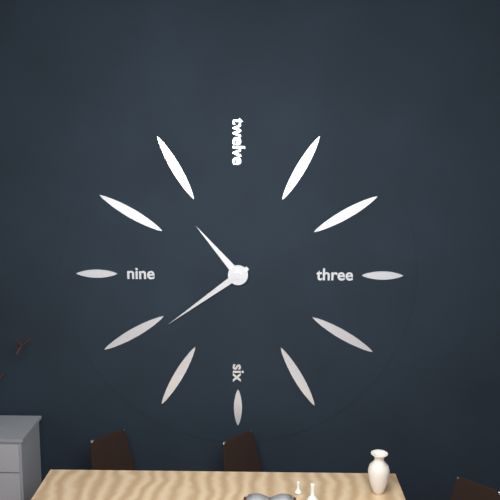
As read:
10:39
